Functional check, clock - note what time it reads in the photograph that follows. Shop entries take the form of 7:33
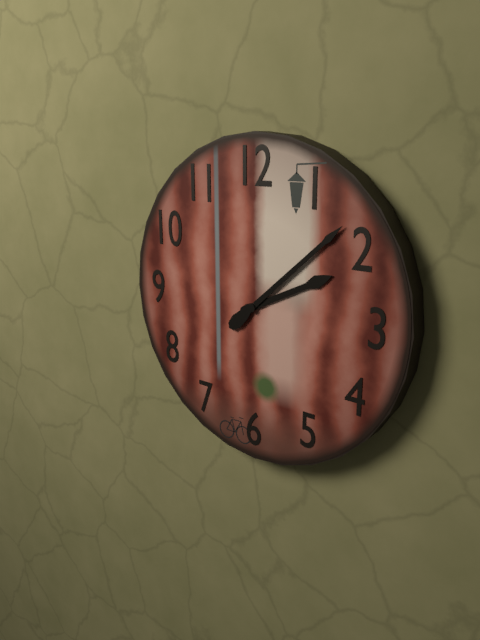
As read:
2:08
